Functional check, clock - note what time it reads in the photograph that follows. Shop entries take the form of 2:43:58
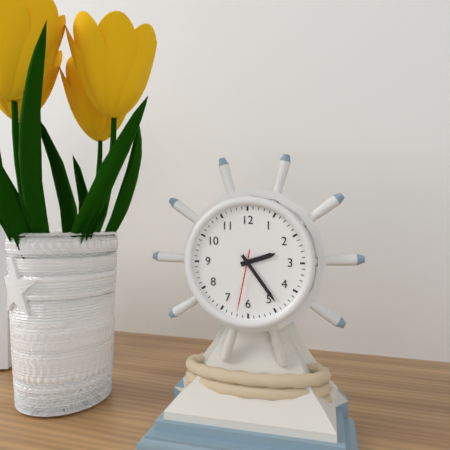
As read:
2:24:32
